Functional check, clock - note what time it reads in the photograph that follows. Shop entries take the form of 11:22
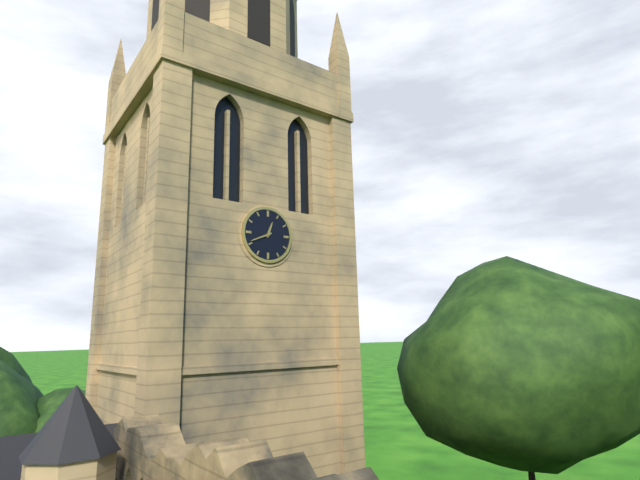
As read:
12:41
